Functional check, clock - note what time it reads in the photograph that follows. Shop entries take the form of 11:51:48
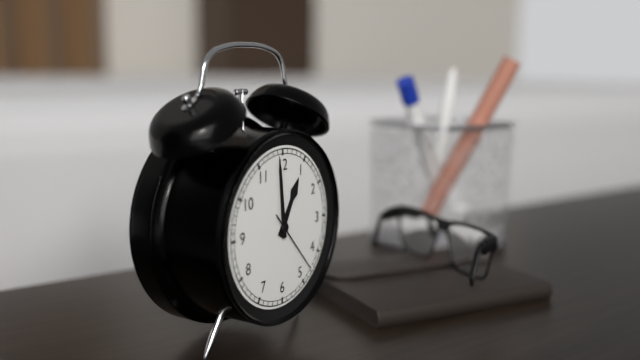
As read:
12:59:23
